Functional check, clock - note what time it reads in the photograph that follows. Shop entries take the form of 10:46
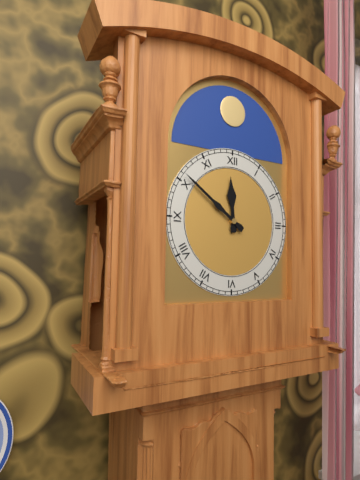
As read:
11:51
